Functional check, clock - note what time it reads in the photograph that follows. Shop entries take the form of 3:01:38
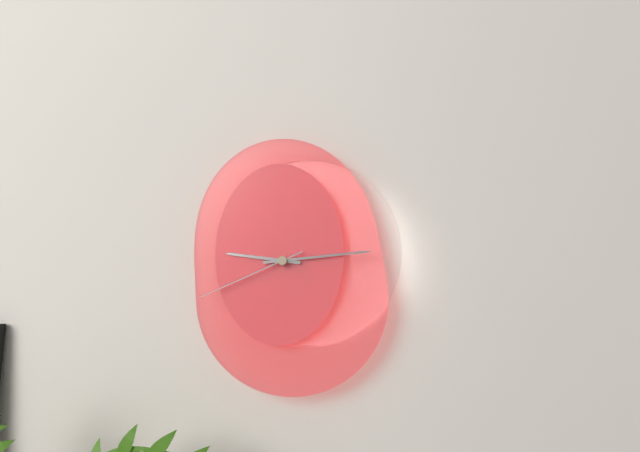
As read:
9:14:41
